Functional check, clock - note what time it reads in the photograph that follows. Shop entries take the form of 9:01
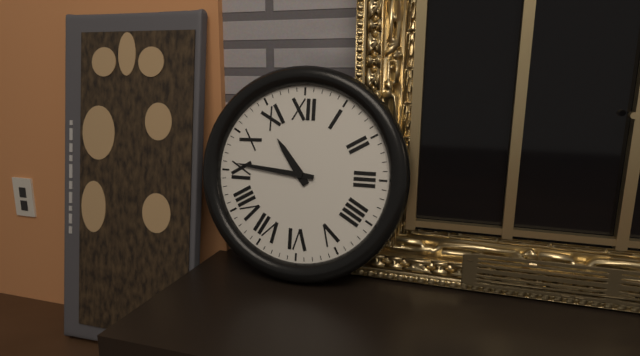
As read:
10:46
